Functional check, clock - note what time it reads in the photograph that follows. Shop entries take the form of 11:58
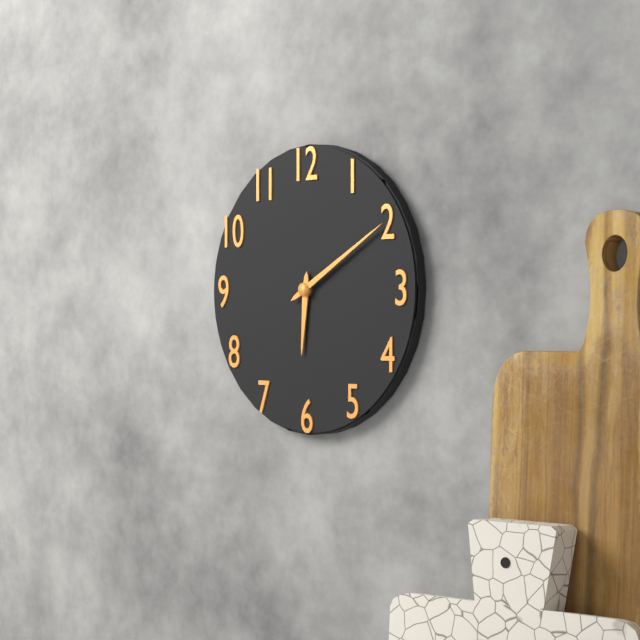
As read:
6:10
